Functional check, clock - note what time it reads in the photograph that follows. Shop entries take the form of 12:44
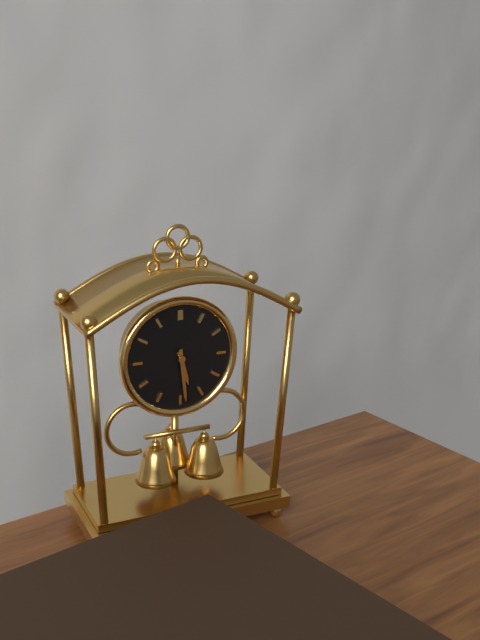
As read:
5:29
